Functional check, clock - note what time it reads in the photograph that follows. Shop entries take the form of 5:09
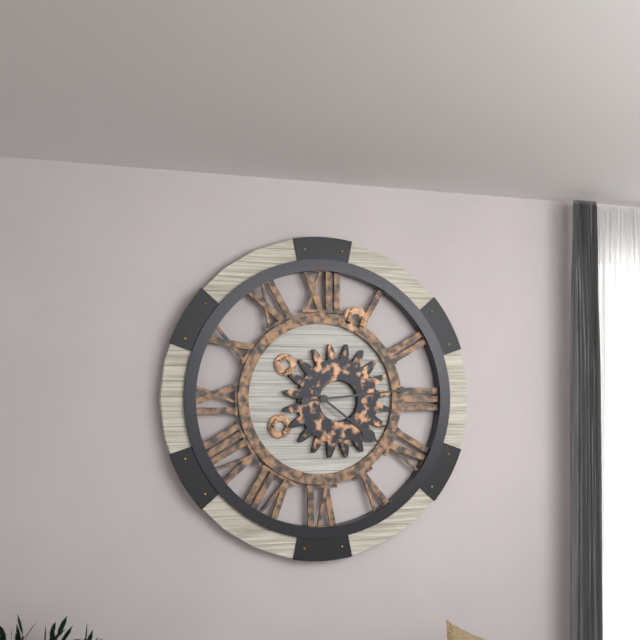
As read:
4:14
